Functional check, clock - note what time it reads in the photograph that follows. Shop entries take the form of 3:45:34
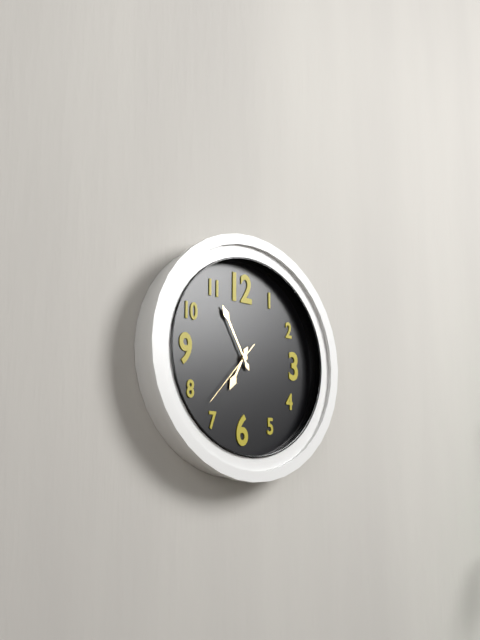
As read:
6:55:37
